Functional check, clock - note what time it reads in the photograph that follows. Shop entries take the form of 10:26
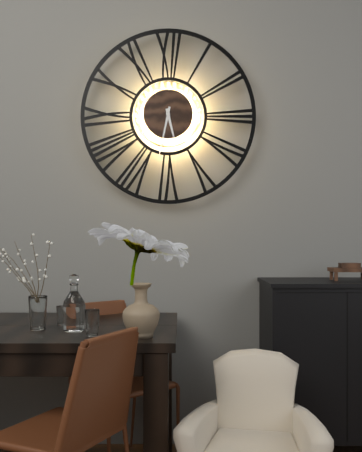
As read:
5:32
